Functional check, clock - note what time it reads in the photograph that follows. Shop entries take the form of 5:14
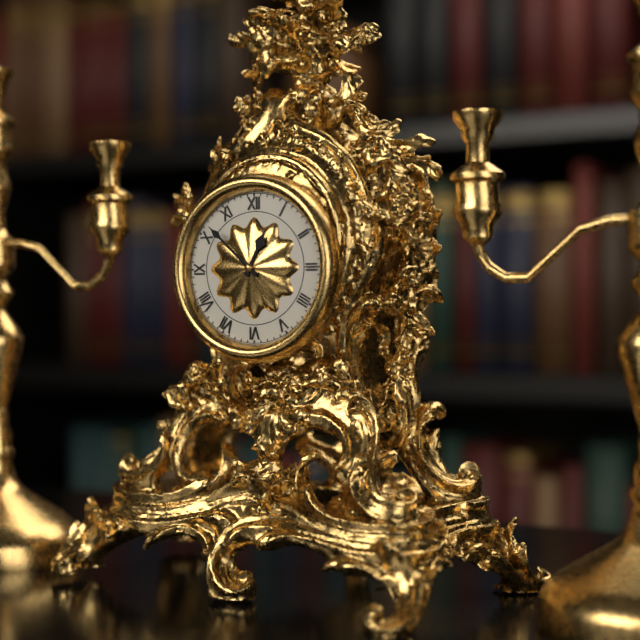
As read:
12:52
